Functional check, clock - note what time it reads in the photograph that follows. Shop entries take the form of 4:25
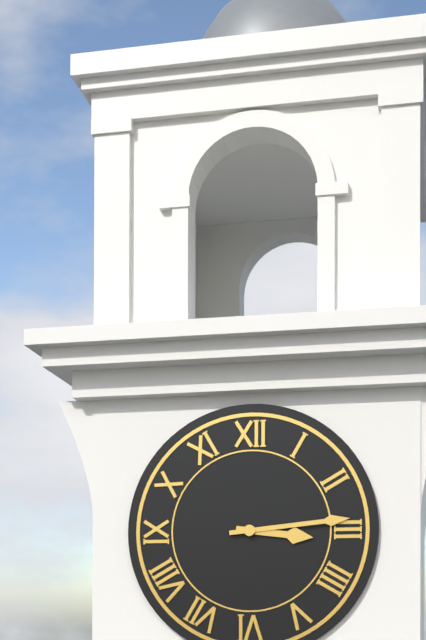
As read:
3:14
